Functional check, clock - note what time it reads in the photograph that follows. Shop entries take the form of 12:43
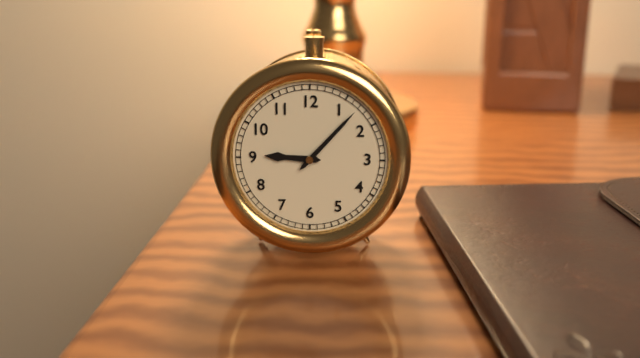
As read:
9:07
